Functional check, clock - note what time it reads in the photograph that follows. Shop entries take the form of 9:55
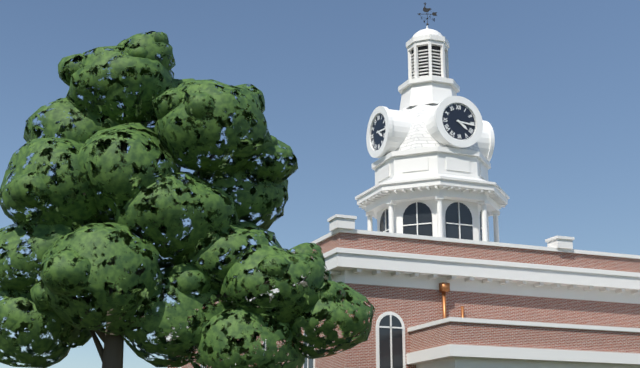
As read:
4:16
